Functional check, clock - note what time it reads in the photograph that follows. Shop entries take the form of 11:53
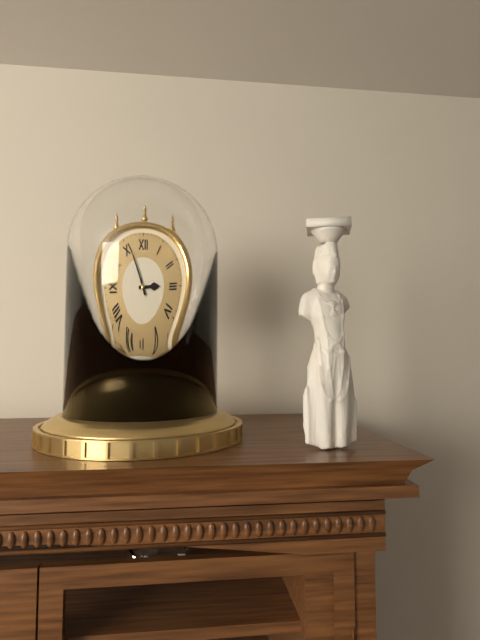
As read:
2:56
